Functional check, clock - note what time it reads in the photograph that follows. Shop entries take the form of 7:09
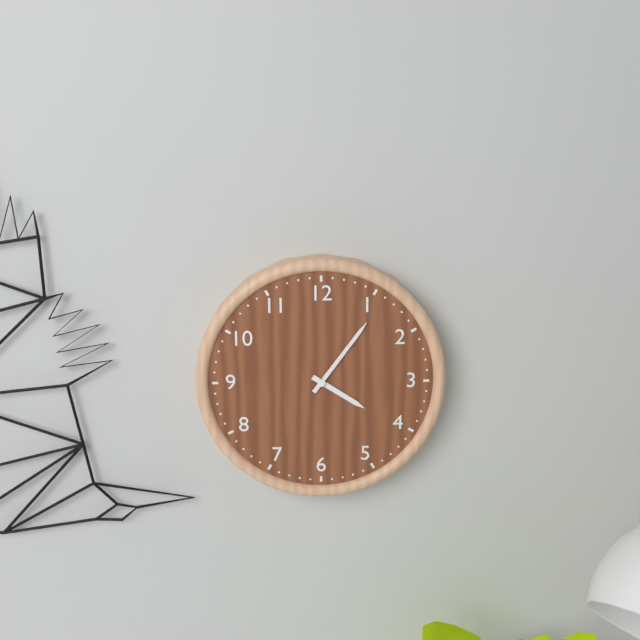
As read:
4:06
